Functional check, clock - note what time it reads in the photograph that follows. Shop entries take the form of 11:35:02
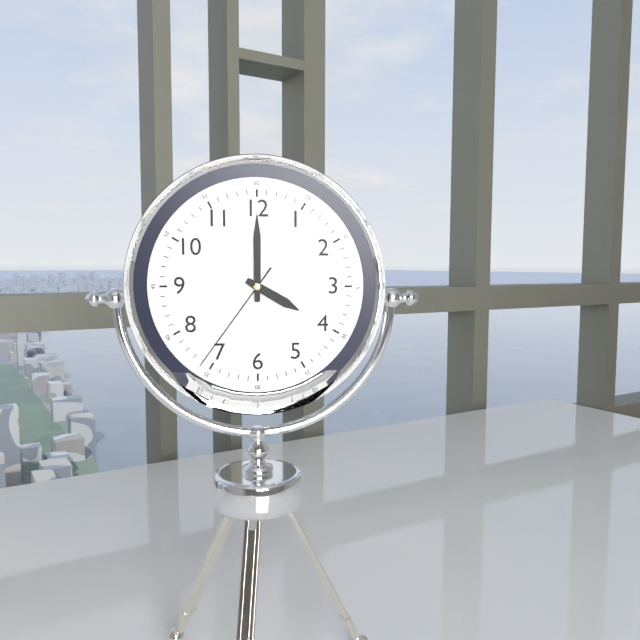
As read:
4:00:36
